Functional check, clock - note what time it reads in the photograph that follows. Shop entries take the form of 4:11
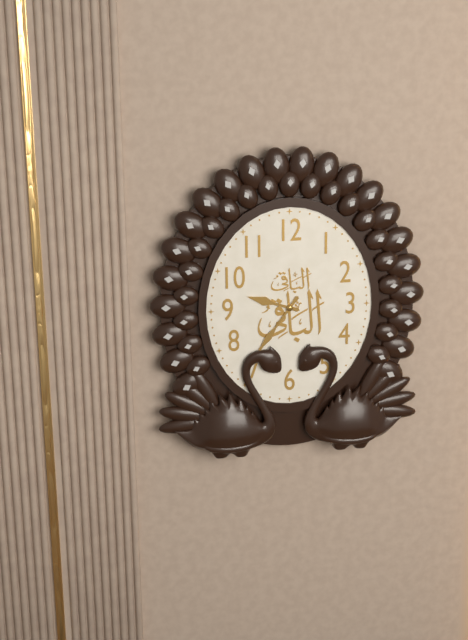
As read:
9:36
